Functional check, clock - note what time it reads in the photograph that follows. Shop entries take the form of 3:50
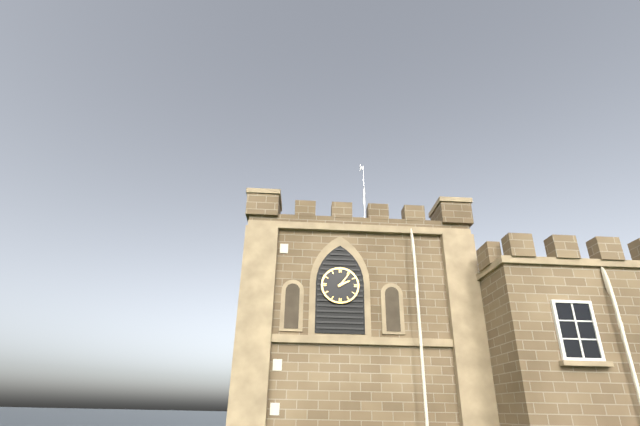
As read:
2:06
